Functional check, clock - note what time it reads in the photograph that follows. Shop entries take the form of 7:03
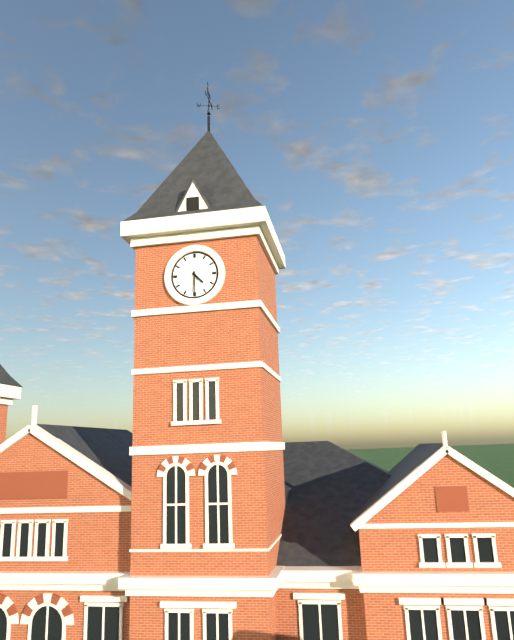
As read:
4:30
